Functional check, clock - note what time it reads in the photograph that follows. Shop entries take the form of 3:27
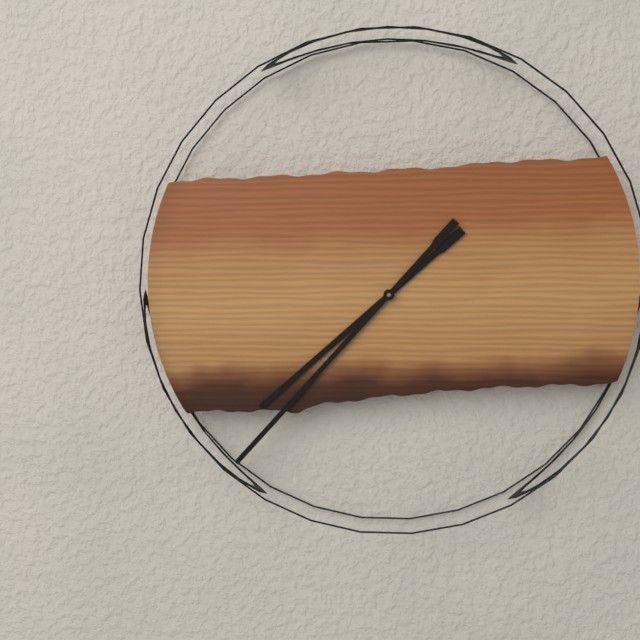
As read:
7:37
